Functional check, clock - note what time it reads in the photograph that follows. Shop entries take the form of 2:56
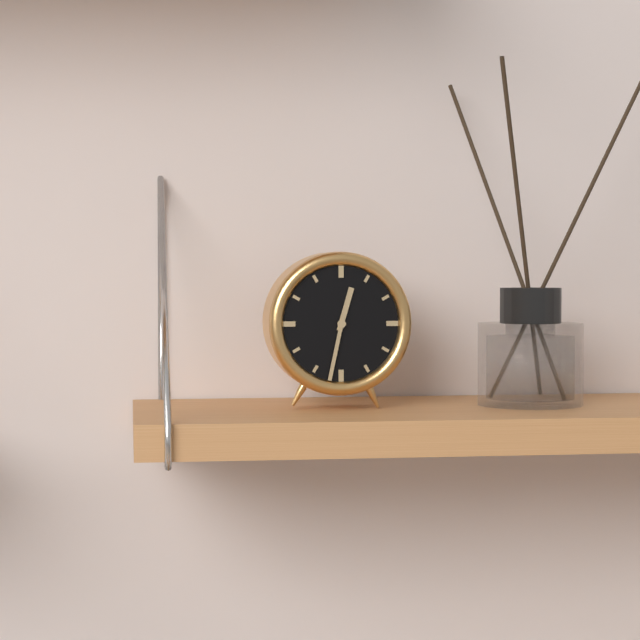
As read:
12:32
